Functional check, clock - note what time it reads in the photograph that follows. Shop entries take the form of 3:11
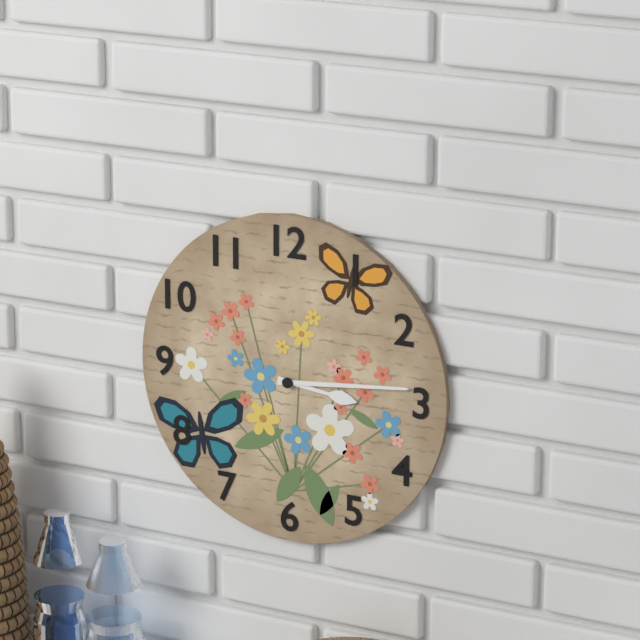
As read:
3:14
